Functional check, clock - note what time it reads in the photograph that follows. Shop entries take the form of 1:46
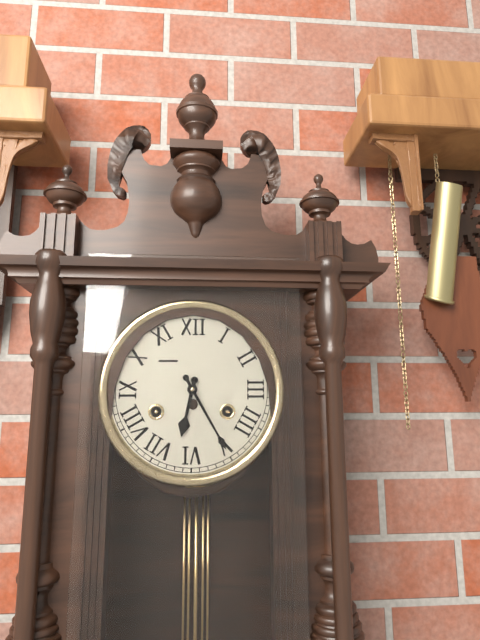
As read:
6:25
